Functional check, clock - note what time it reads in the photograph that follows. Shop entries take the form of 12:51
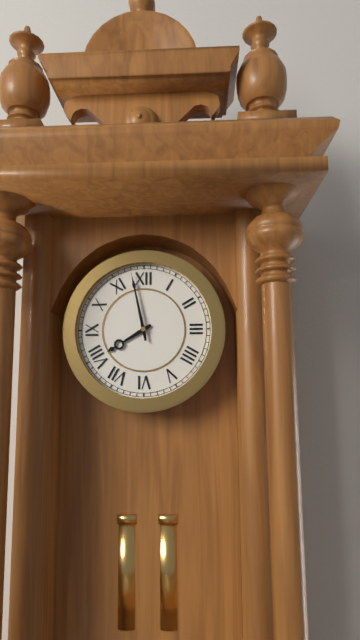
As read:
7:58
